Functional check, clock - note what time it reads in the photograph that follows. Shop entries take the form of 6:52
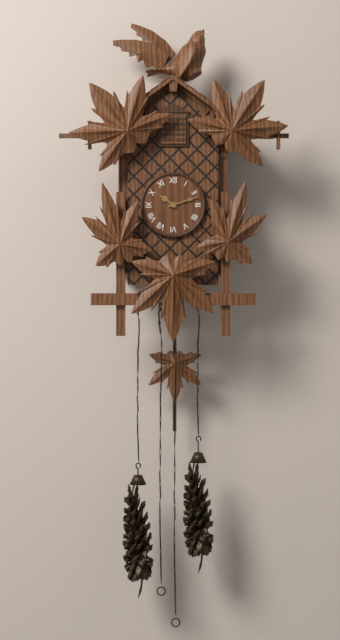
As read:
10:12
